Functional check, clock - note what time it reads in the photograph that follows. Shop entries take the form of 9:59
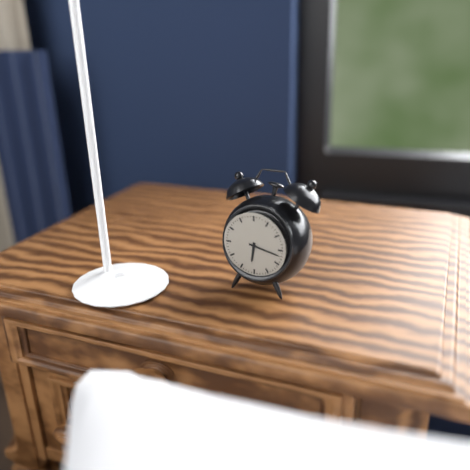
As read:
6:17
